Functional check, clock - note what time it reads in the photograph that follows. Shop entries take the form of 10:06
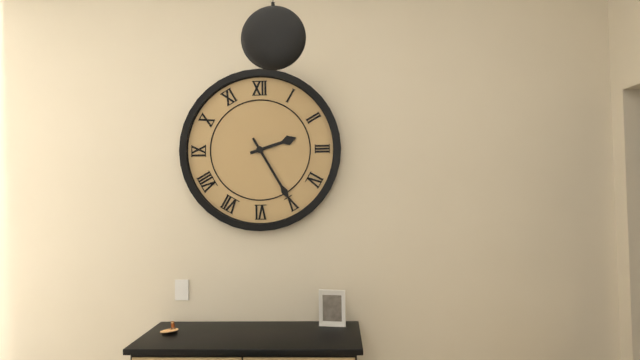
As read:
2:25
